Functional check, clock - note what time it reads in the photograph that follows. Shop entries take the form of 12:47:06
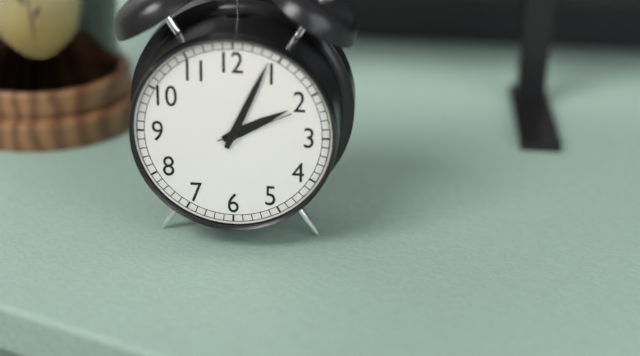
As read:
2:04:11
